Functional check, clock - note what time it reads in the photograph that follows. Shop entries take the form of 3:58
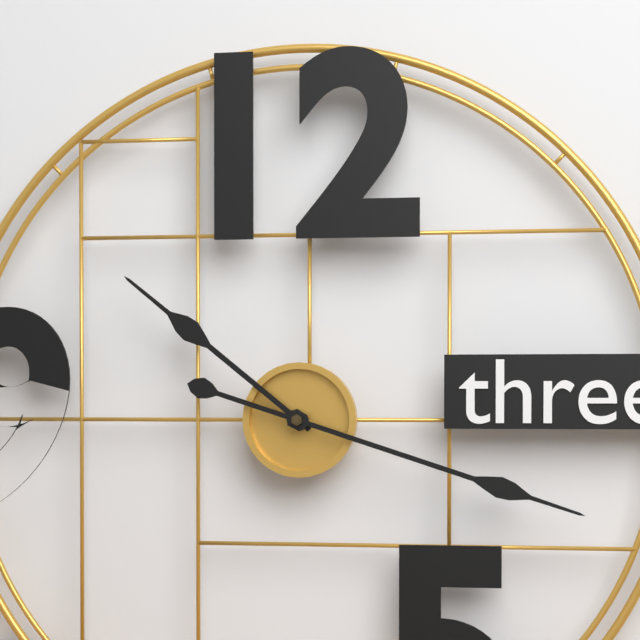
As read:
10:18
